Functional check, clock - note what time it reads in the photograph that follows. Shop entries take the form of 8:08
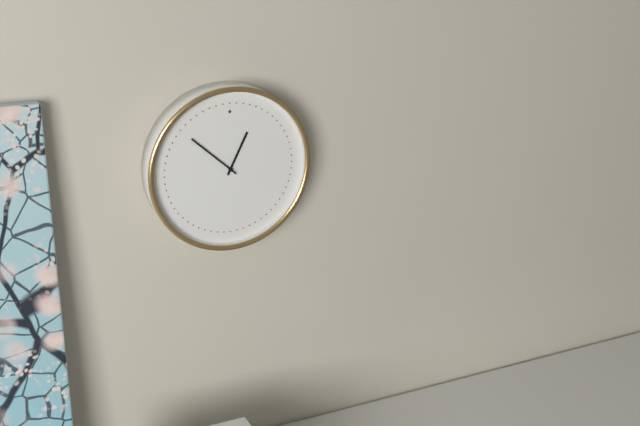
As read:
12:52
